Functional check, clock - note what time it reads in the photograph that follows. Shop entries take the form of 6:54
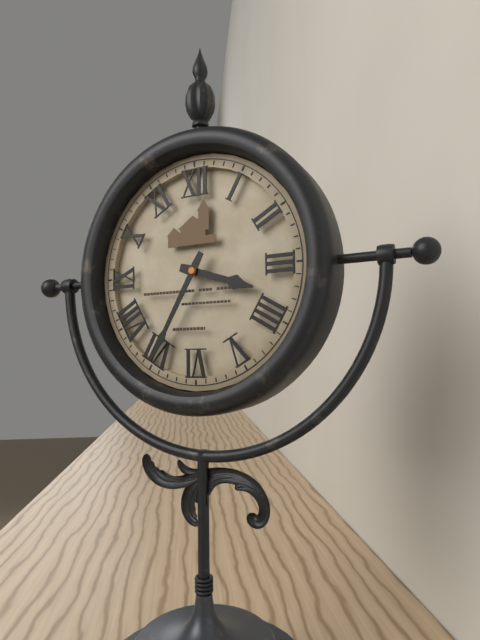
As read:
3:35
